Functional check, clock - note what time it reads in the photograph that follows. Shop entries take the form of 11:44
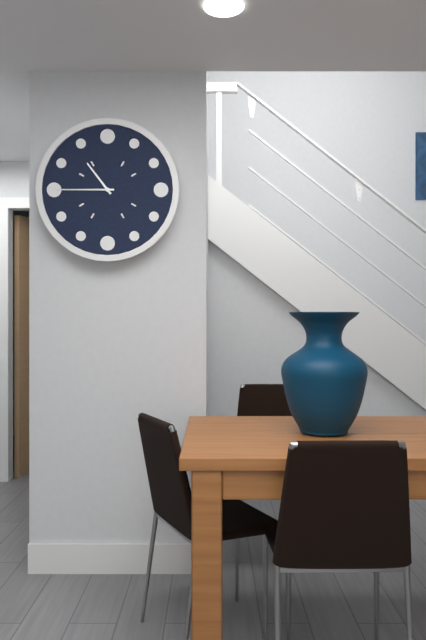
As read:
10:45
